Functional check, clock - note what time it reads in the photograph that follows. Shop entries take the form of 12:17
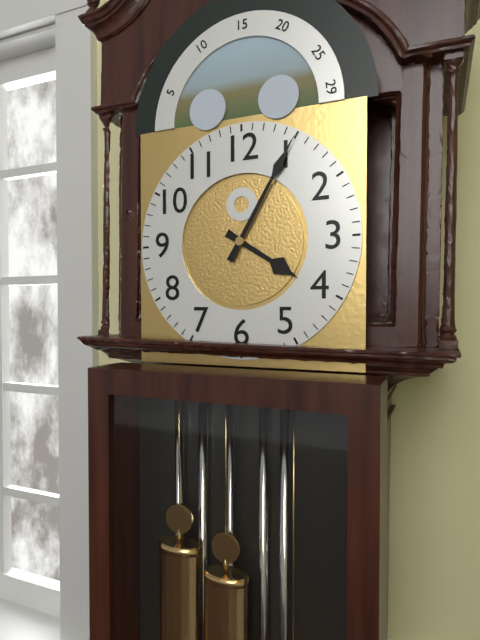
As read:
4:05
